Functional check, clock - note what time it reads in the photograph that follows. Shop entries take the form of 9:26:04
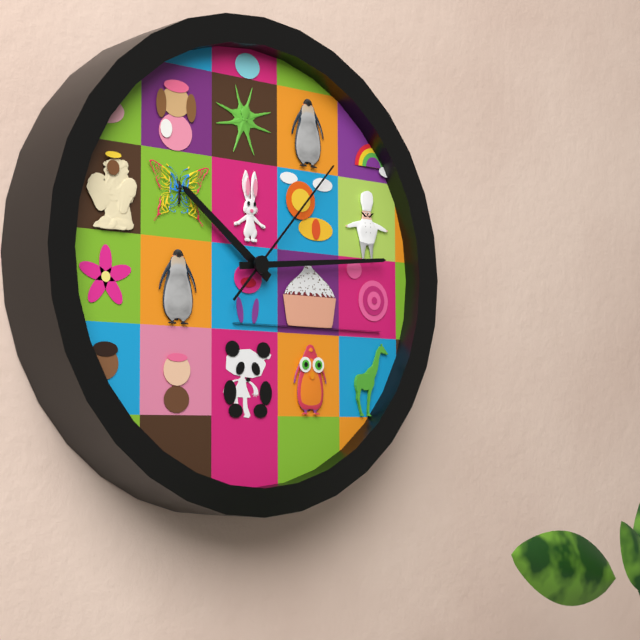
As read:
10:14:07
